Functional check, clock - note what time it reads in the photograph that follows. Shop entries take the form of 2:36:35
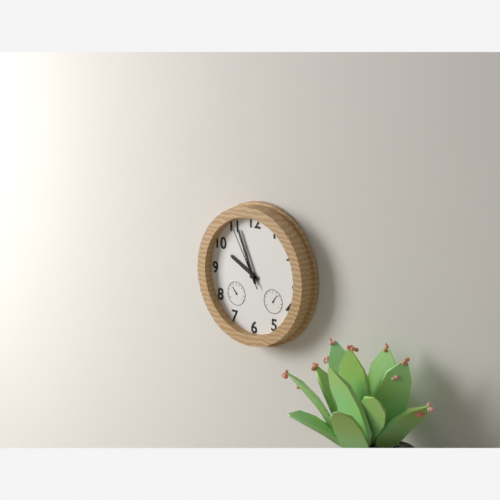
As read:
9:56:55
